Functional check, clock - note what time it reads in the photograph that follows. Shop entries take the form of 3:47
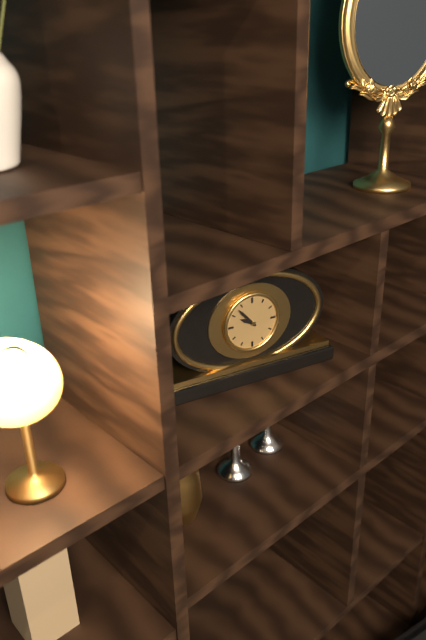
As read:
9:53
